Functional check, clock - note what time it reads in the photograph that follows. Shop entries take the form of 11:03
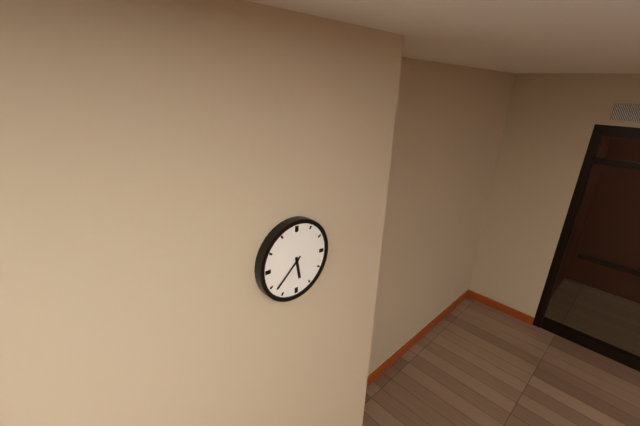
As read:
5:38
